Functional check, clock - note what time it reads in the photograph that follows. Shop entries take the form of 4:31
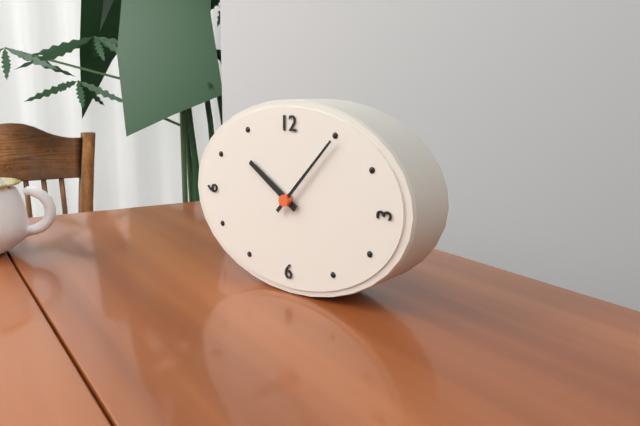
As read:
10:07
